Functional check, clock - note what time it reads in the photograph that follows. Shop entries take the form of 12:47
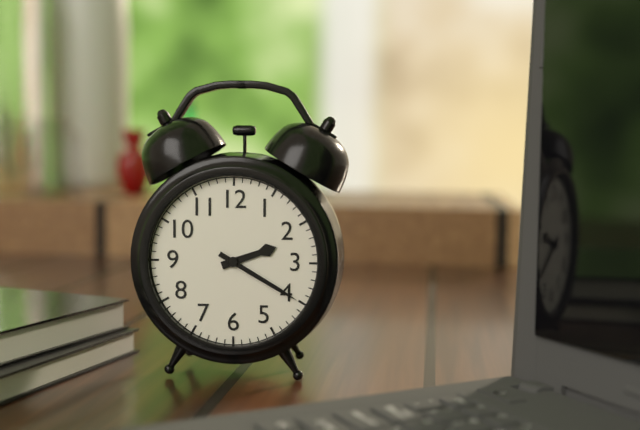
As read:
2:20
